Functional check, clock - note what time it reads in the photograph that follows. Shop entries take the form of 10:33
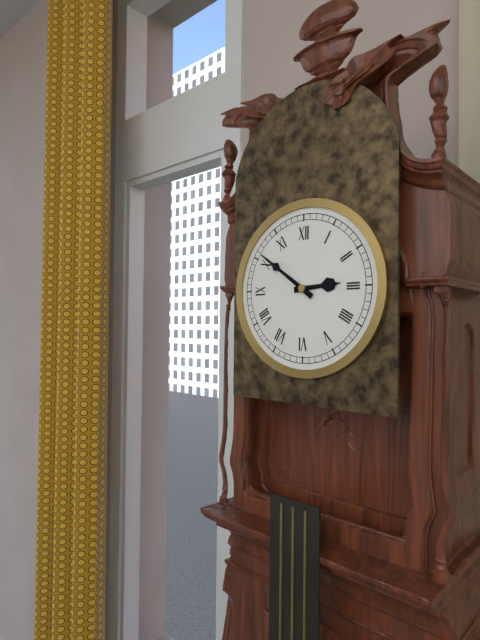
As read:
2:51
